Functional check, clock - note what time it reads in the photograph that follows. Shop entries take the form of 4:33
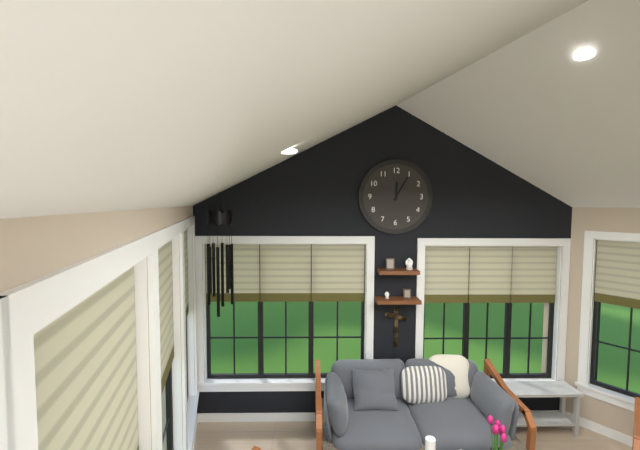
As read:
12:05
